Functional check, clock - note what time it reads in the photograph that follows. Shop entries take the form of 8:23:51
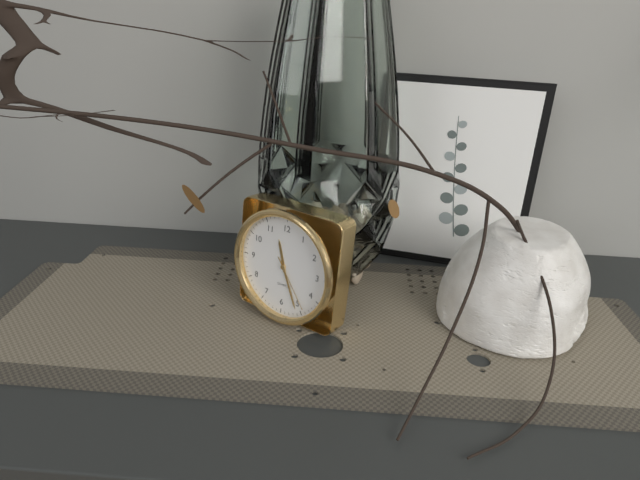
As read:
11:26:24
